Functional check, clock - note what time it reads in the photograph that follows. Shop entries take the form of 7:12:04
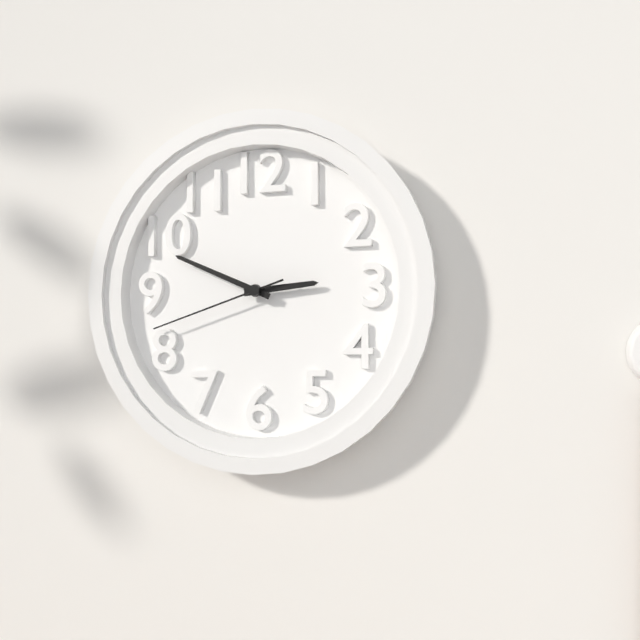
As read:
2:49:42
